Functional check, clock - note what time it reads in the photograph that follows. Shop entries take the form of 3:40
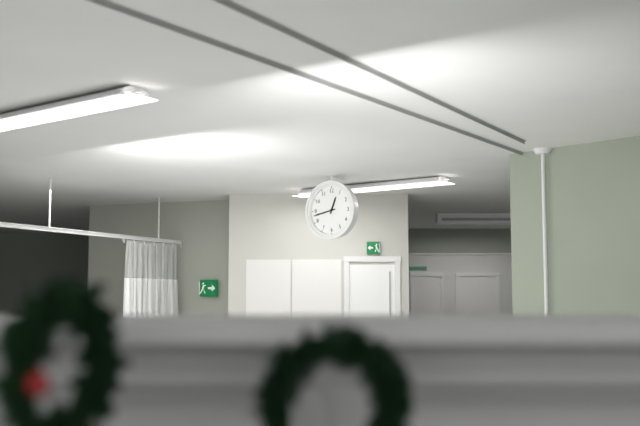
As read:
12:43
